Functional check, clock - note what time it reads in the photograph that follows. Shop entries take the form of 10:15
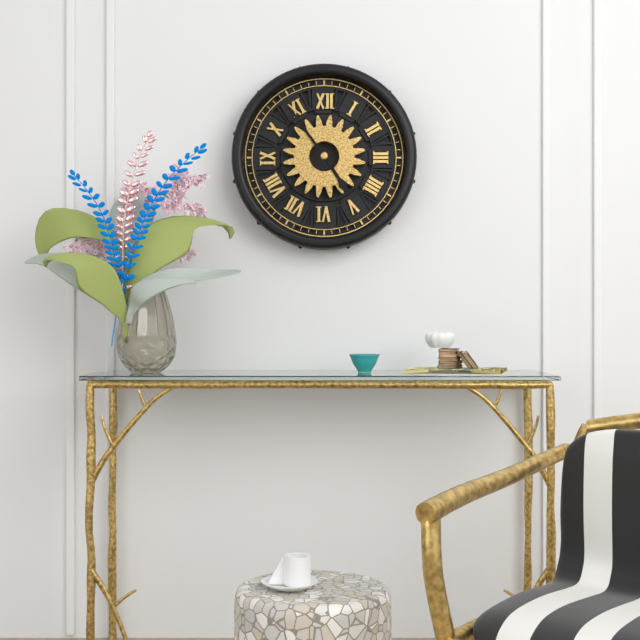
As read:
4:54
